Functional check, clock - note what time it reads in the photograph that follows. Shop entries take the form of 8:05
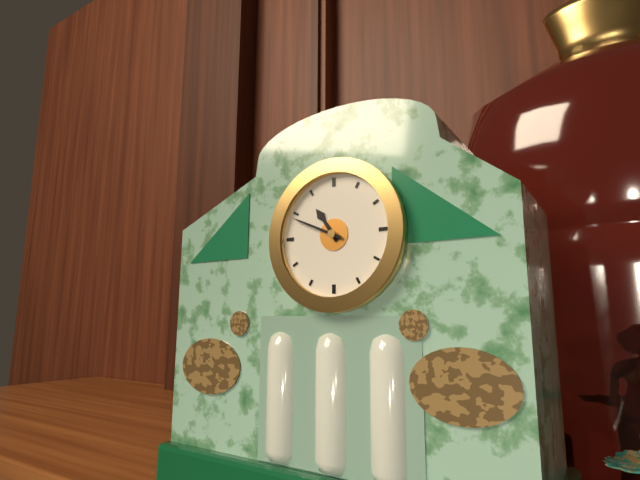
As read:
10:49
